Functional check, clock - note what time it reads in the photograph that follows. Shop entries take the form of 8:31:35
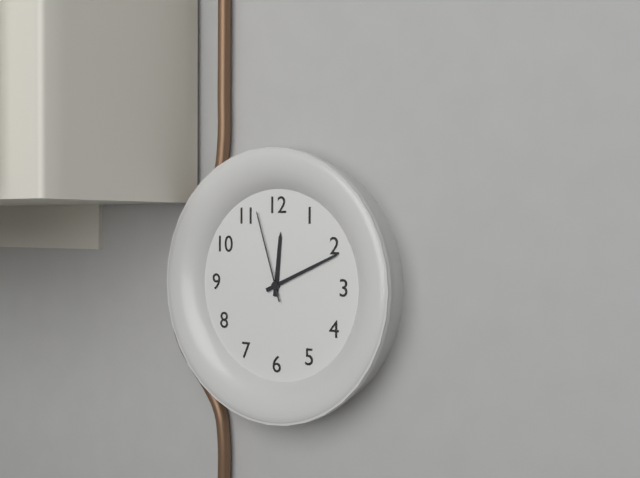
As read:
12:11:57
